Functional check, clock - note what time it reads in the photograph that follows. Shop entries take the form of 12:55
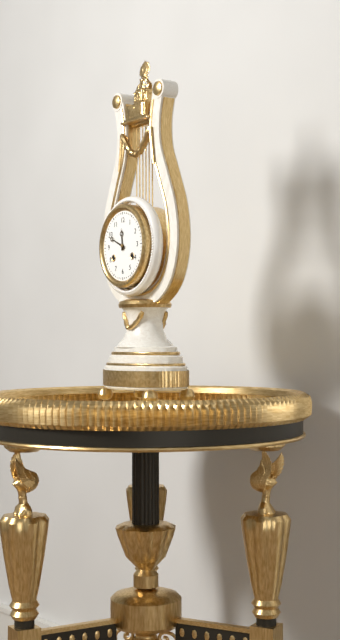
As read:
11:49
